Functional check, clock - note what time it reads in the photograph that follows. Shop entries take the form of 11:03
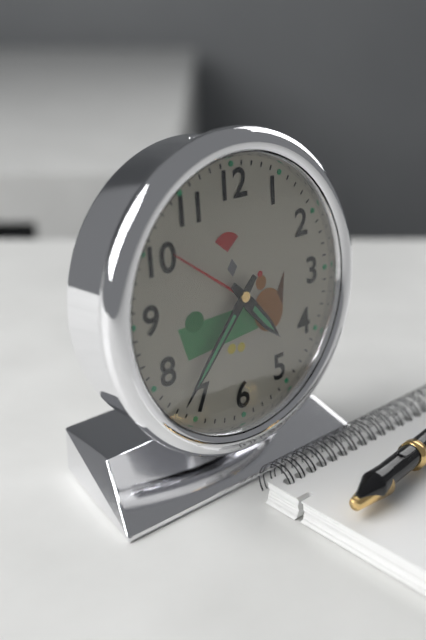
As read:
4:37
